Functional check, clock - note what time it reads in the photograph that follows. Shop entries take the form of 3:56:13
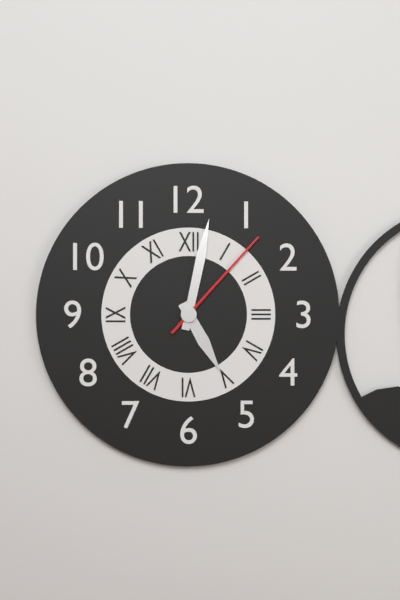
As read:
5:02:07
